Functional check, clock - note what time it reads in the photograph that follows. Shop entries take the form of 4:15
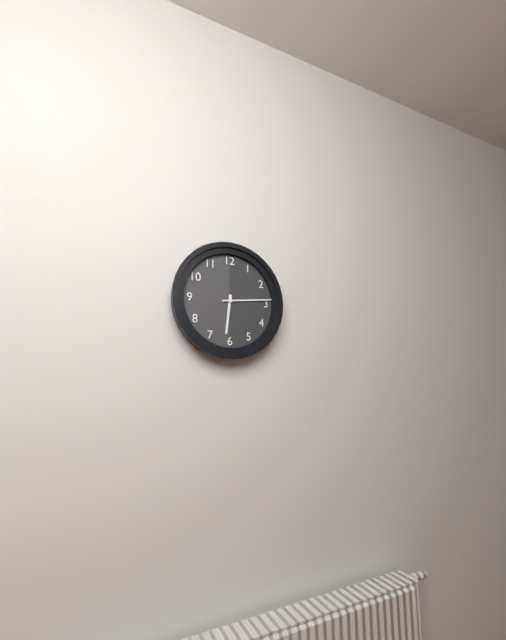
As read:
6:14
